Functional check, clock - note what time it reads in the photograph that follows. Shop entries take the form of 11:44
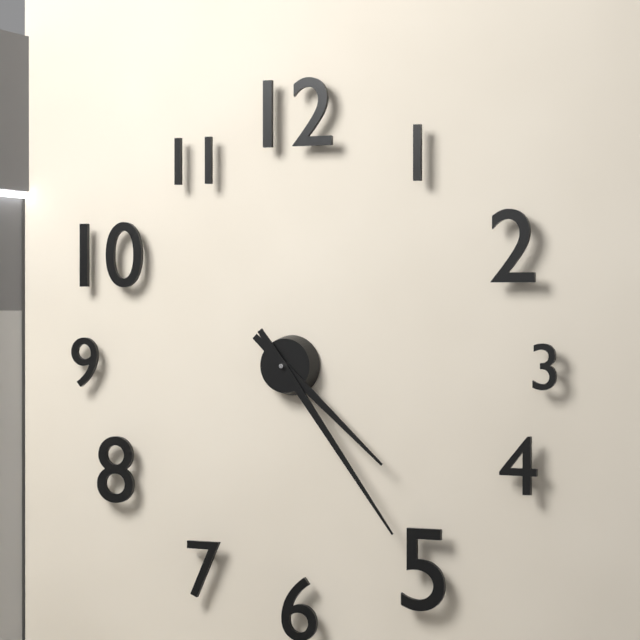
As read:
4:24
